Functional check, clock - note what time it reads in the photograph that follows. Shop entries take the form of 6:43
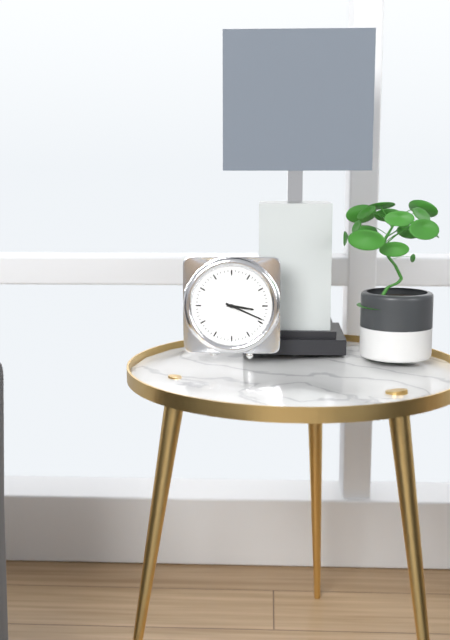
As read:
3:19
